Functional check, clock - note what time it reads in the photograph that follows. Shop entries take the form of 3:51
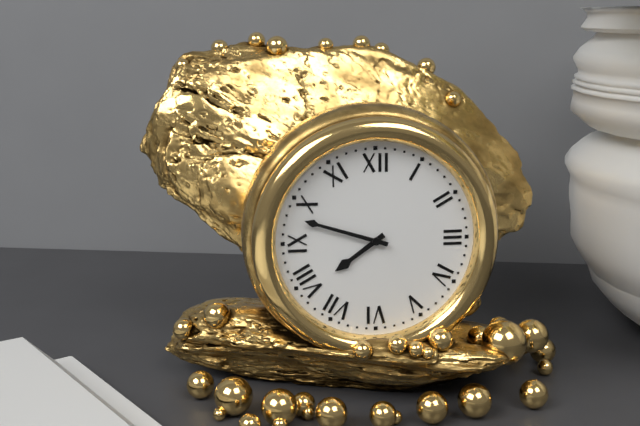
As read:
7:48
